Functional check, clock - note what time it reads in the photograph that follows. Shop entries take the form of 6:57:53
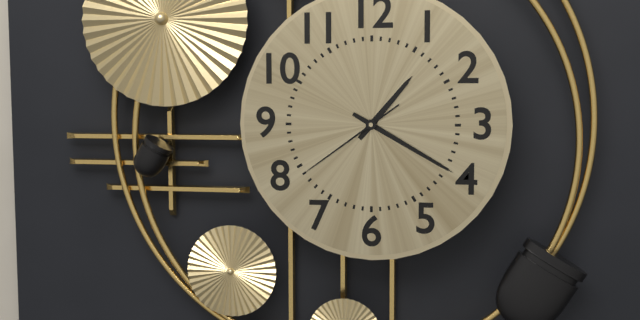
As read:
1:20:39
